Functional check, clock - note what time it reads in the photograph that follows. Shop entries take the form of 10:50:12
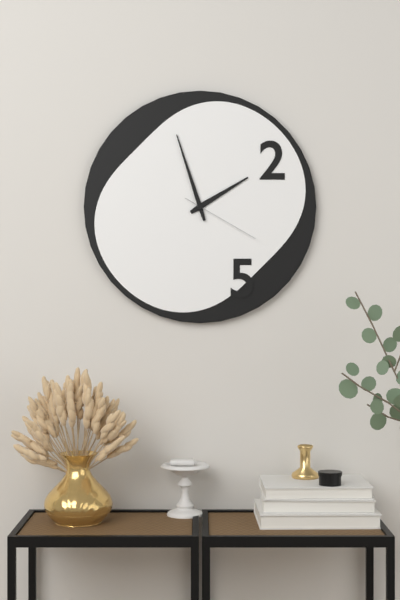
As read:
1:57:20
